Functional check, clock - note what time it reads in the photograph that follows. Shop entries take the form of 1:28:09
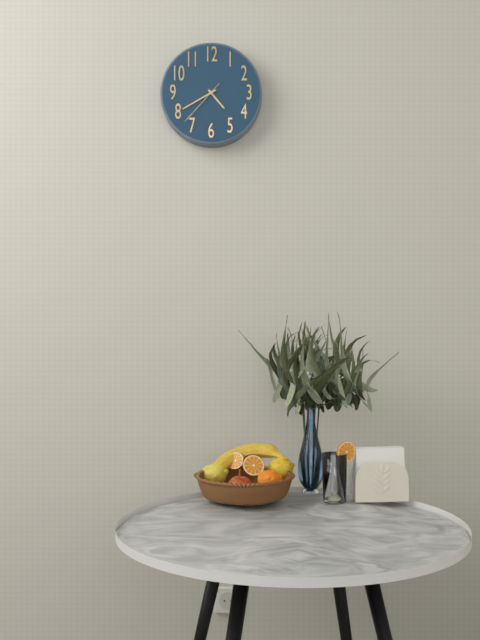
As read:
4:40:37
